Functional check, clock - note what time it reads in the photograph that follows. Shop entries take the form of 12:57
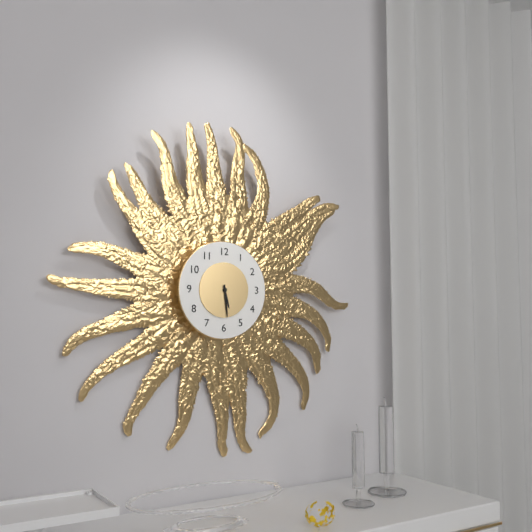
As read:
5:29
